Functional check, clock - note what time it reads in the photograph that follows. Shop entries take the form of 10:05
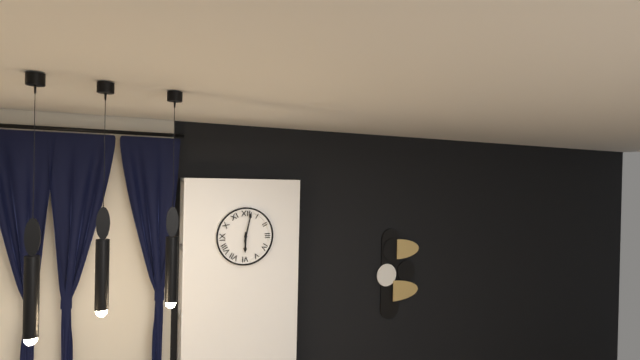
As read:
6:02
